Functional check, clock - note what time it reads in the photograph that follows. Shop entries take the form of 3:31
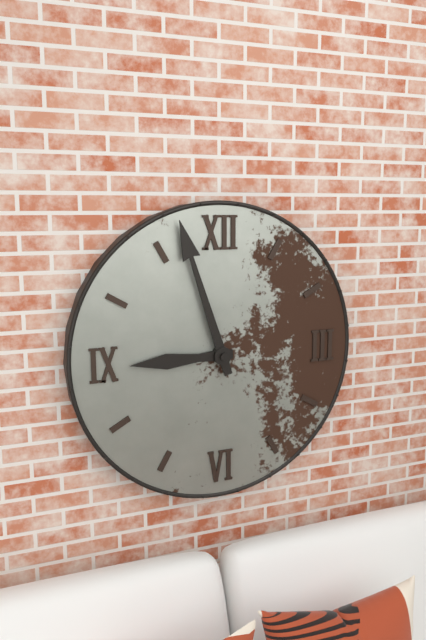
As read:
8:57
